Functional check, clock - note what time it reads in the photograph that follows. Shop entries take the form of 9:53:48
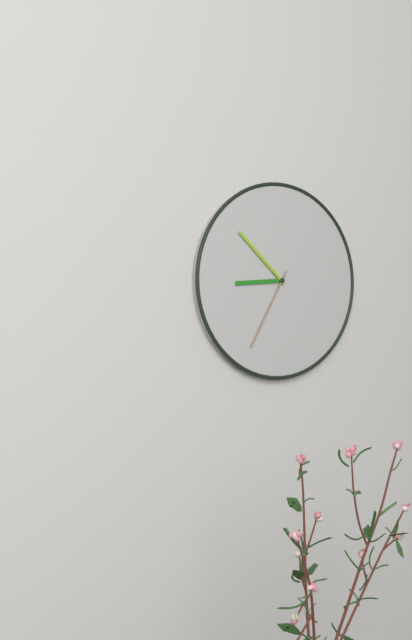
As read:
8:52:35
